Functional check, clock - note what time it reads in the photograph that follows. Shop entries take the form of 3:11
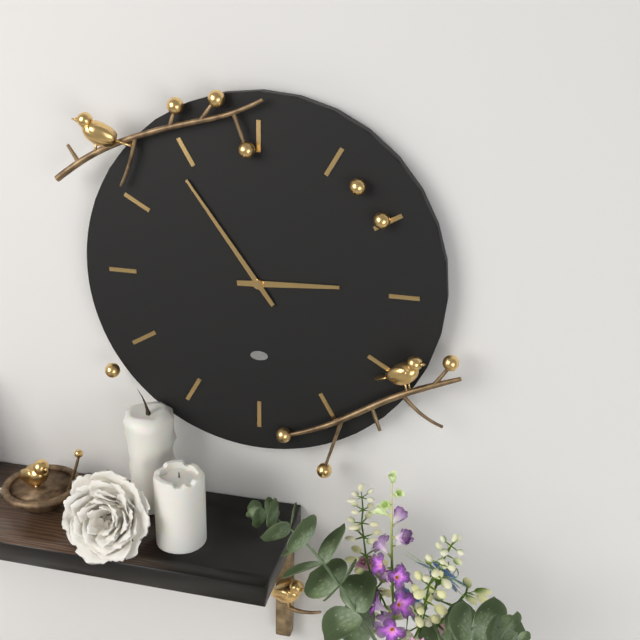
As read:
2:54
